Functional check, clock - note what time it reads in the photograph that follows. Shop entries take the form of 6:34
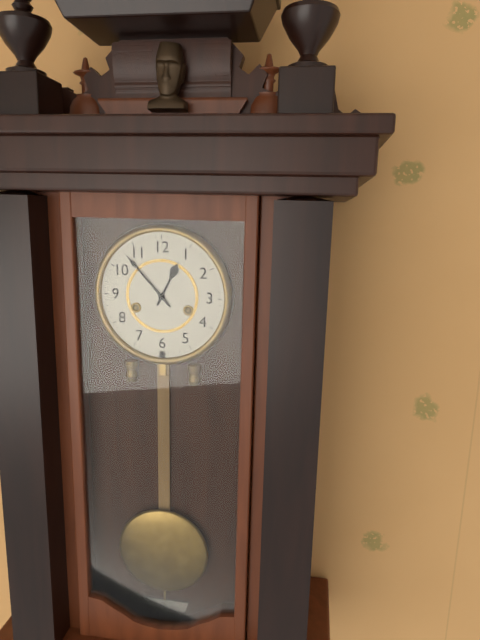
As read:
12:53
